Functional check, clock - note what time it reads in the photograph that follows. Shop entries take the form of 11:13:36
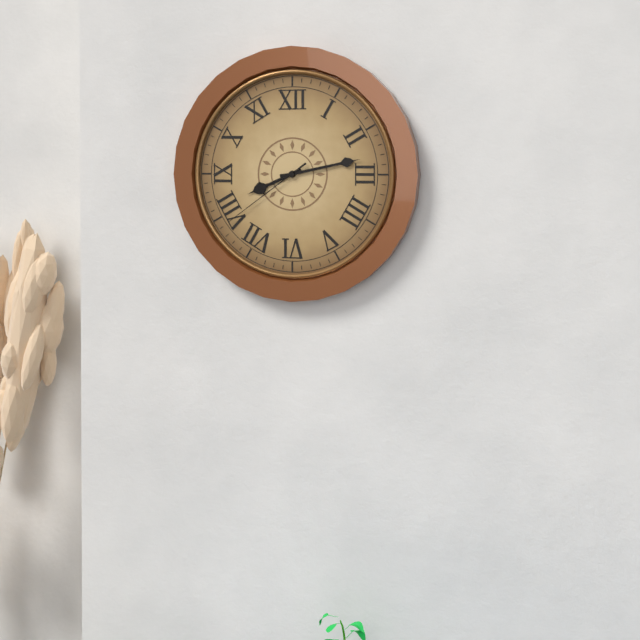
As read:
8:13:39
